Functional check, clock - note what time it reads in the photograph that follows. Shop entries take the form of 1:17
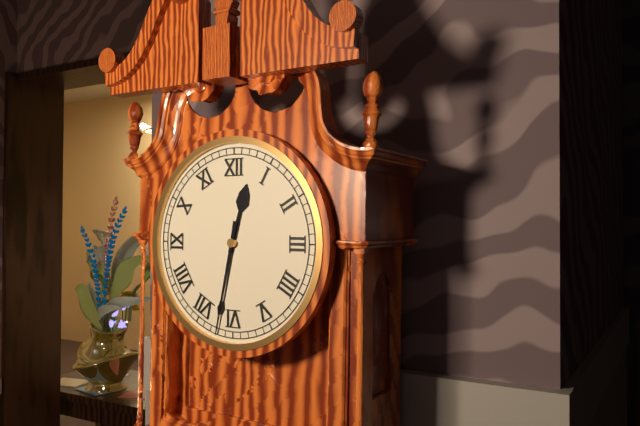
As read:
12:32
